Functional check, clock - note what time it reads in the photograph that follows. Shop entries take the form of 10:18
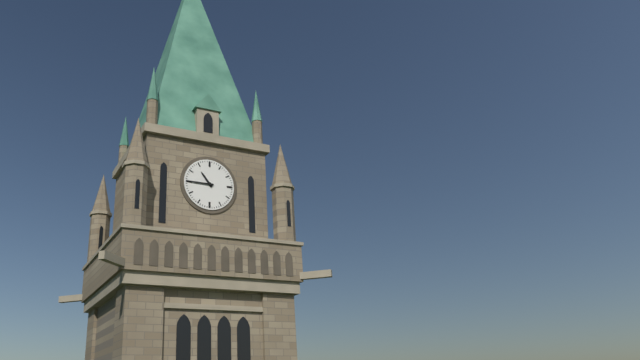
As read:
10:45
